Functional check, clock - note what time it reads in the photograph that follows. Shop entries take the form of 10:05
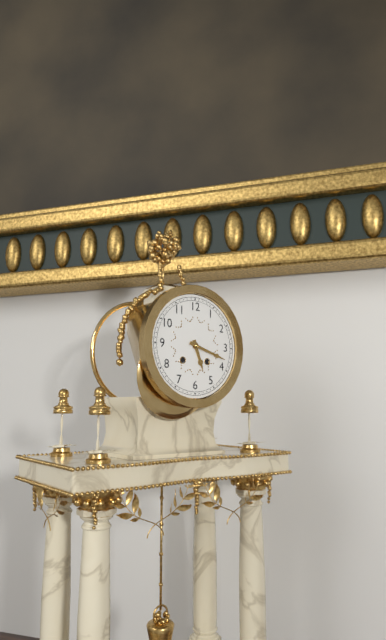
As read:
5:18
